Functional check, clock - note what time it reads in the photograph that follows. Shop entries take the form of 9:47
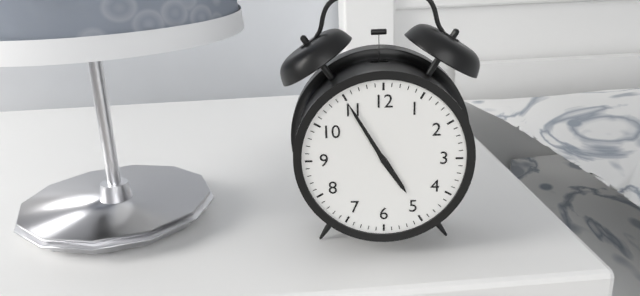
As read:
4:55
